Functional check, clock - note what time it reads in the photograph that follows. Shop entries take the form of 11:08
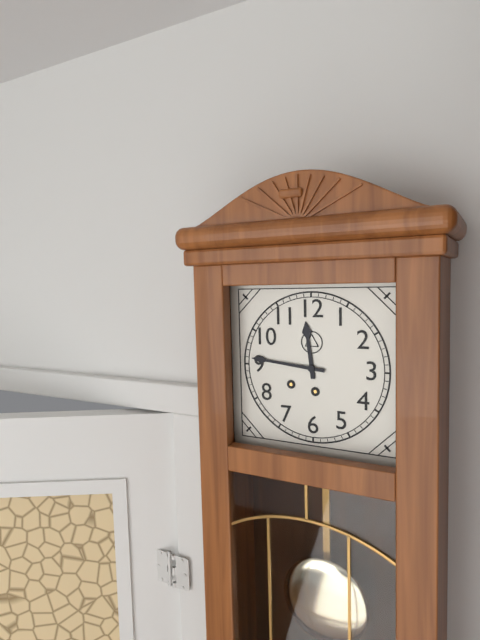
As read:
11:46
